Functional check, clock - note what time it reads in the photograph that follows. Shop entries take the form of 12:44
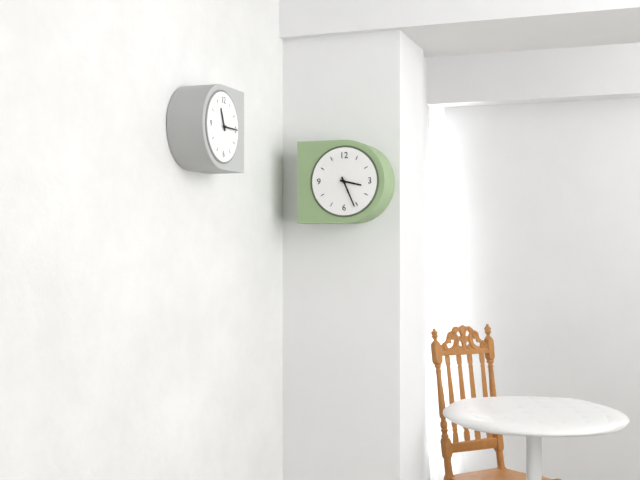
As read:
3:26
